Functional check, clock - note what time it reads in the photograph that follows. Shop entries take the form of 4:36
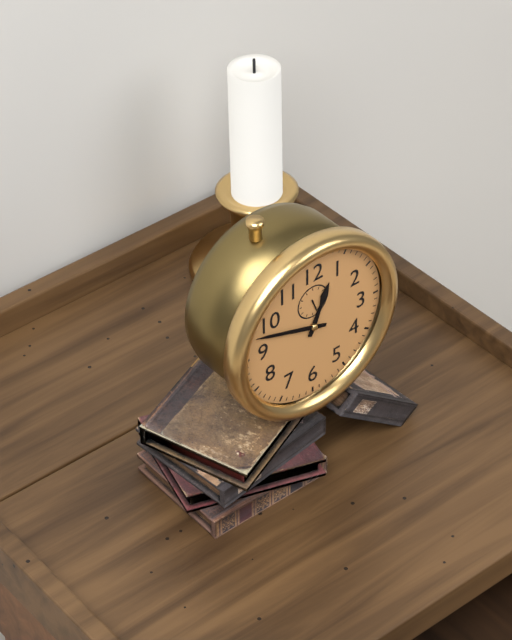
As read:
12:48
